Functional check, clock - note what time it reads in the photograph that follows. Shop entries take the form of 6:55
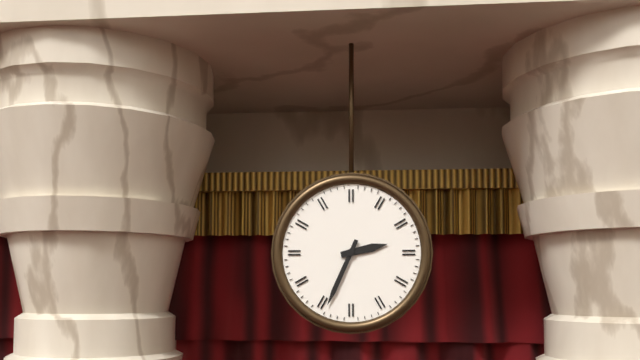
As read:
2:34
